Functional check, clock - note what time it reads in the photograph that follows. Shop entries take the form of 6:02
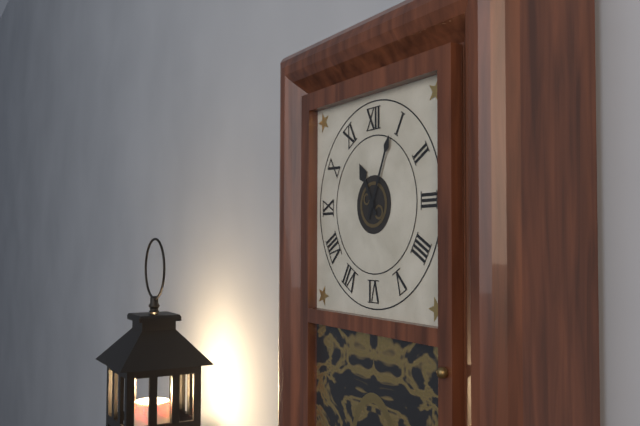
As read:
11:04
